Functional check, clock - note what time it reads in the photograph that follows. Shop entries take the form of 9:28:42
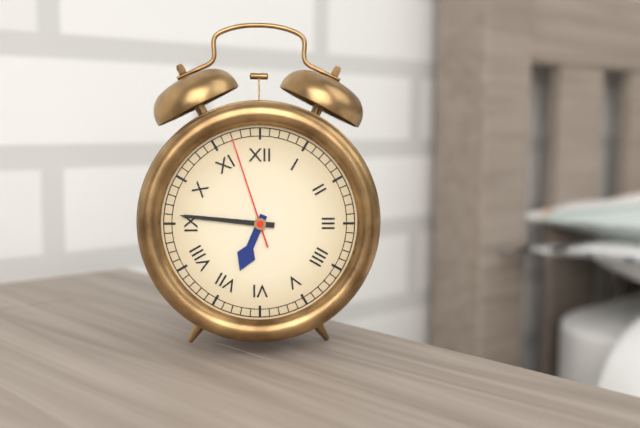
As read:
6:46:57
